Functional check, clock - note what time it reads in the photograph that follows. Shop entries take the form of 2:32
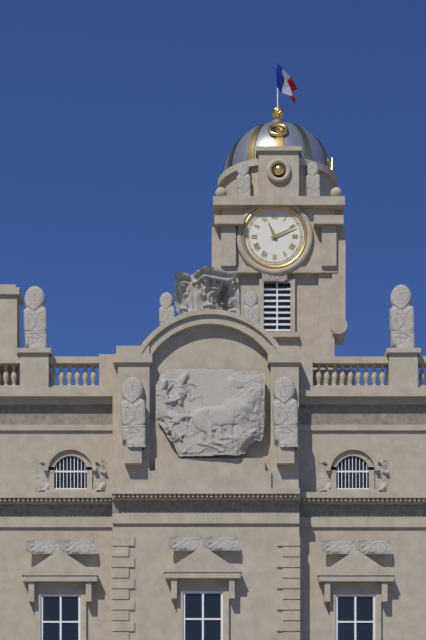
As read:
11:11
